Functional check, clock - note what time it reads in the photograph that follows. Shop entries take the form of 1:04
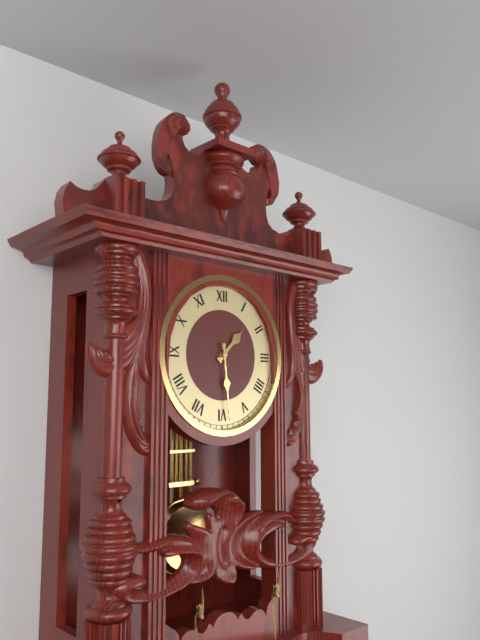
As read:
1:29
